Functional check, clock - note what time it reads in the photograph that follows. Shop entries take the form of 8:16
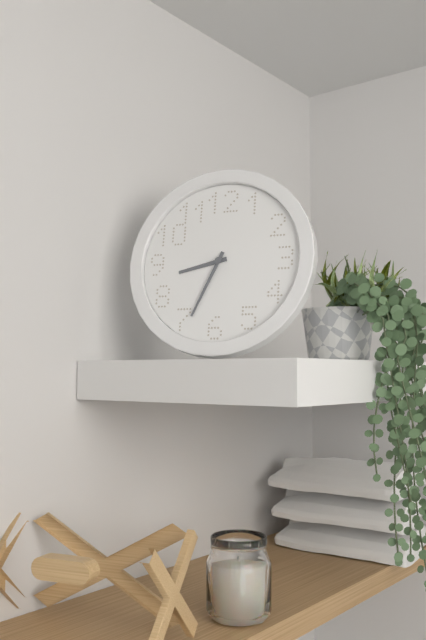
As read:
8:34
